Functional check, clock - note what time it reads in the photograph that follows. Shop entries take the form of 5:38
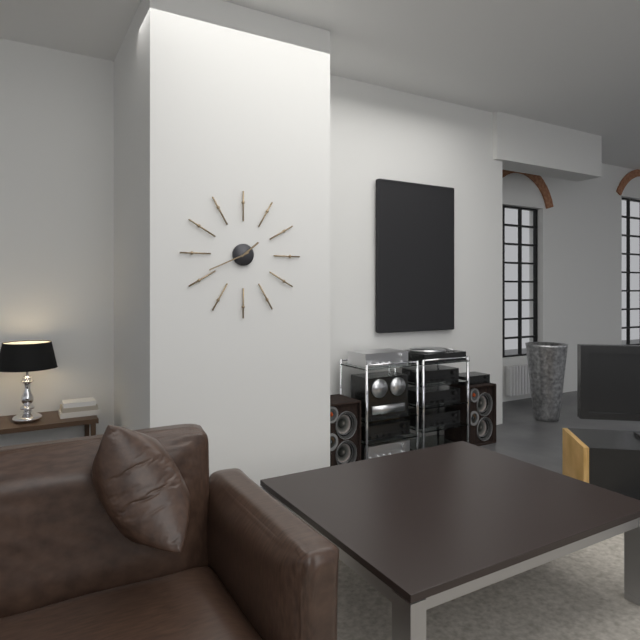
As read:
1:41
